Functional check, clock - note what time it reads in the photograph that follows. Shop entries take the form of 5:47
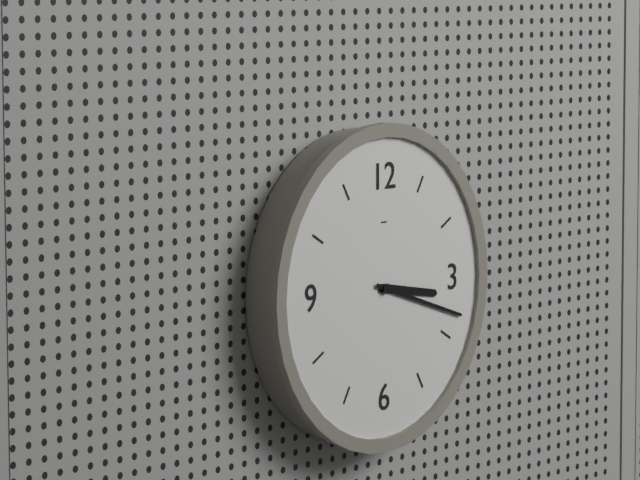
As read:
3:18
